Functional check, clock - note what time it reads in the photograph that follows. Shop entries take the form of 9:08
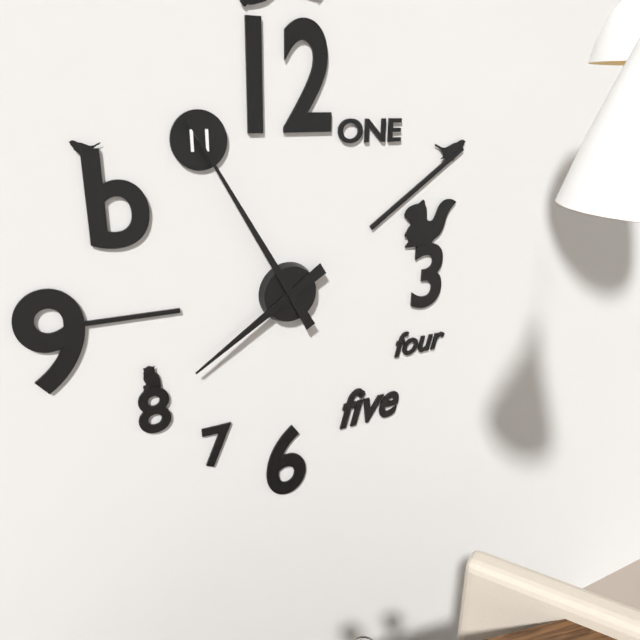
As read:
7:55
